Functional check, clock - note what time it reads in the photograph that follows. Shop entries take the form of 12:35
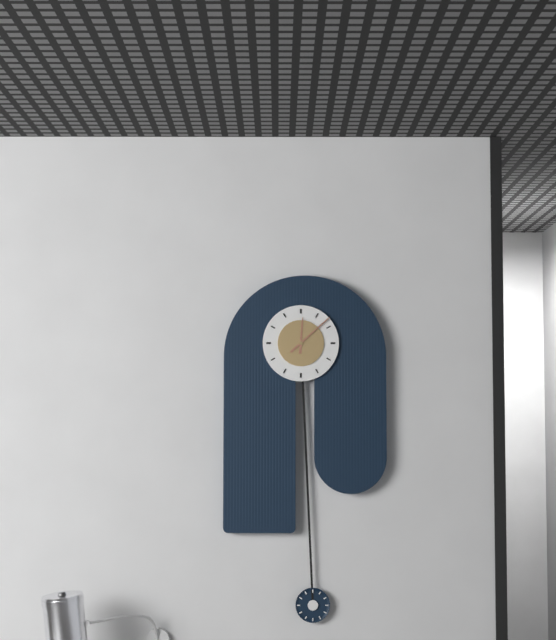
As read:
12:08
